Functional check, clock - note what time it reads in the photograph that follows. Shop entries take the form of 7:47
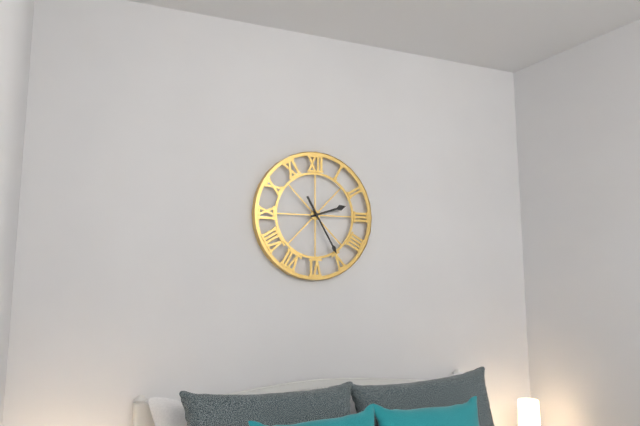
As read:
2:25
